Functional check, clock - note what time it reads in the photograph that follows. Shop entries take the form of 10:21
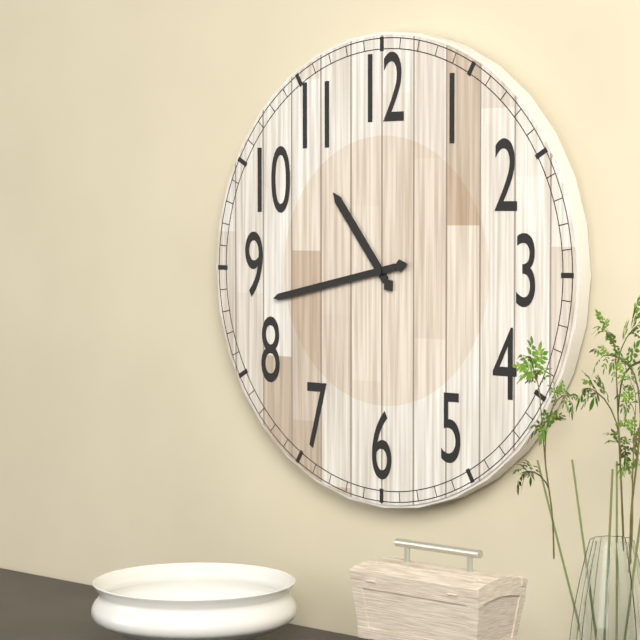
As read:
10:43
